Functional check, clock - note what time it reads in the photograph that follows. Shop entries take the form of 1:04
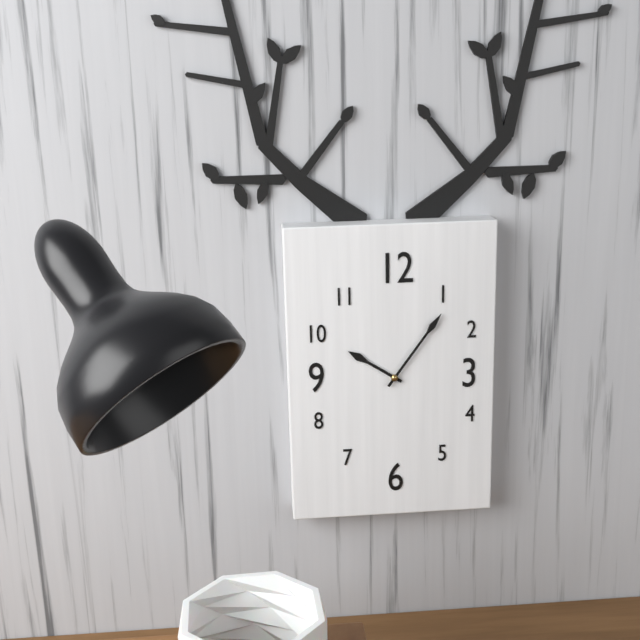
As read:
10:06
